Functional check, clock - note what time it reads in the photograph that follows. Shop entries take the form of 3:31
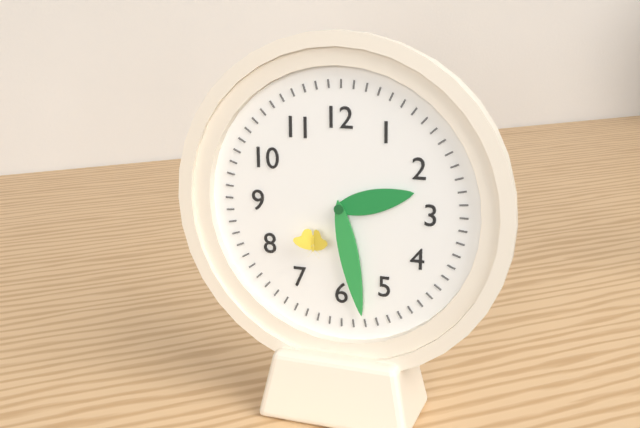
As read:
2:28
